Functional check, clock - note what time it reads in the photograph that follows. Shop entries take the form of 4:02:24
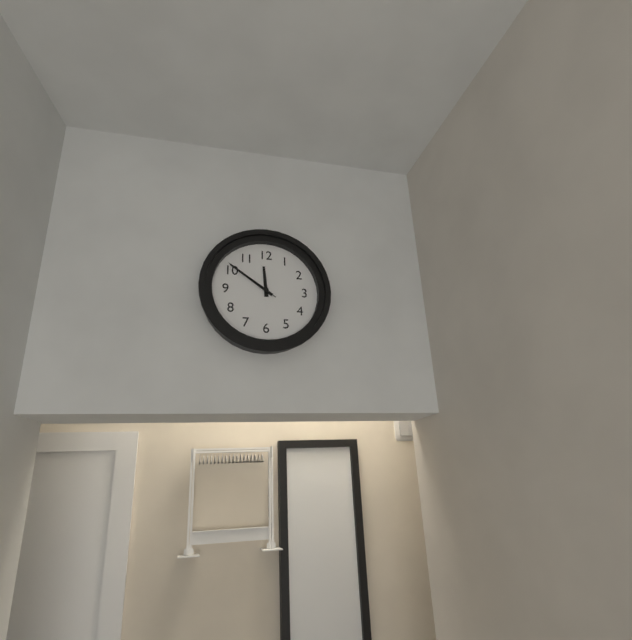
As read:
11:51:51
